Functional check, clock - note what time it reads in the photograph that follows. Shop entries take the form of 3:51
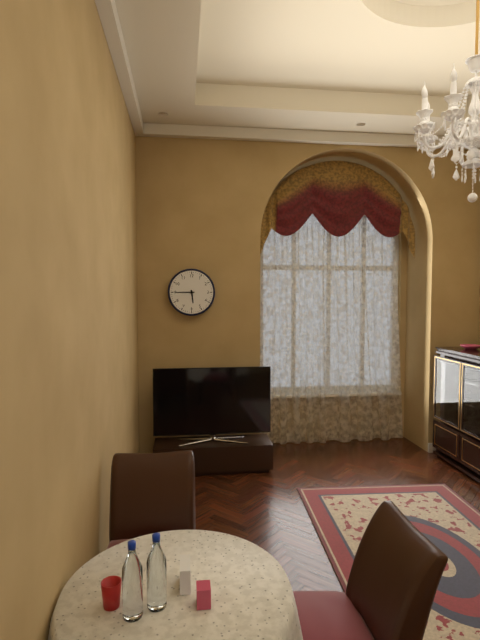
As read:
5:45
